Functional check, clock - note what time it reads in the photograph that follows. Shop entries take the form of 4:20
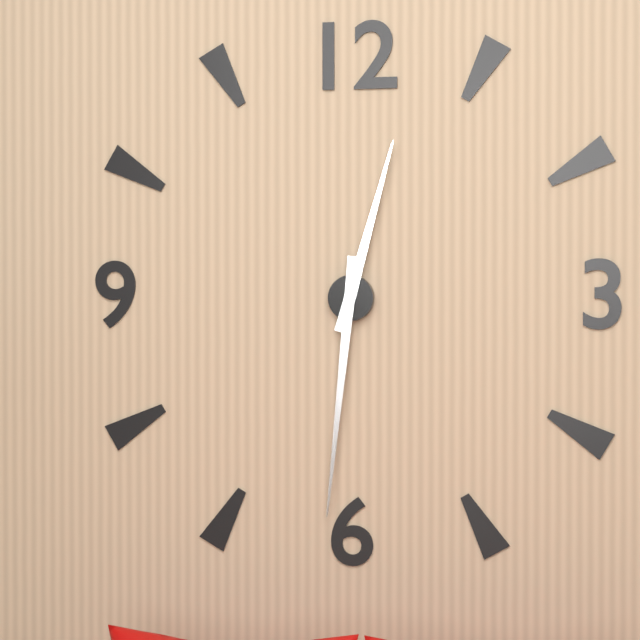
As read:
12:31
